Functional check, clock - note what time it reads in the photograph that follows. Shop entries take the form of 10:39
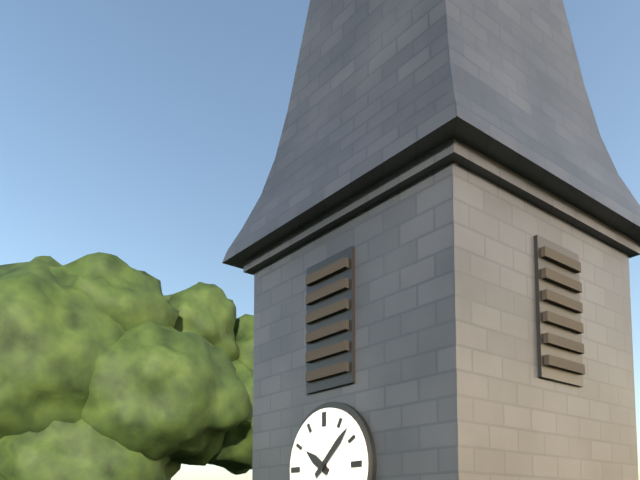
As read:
10:08
